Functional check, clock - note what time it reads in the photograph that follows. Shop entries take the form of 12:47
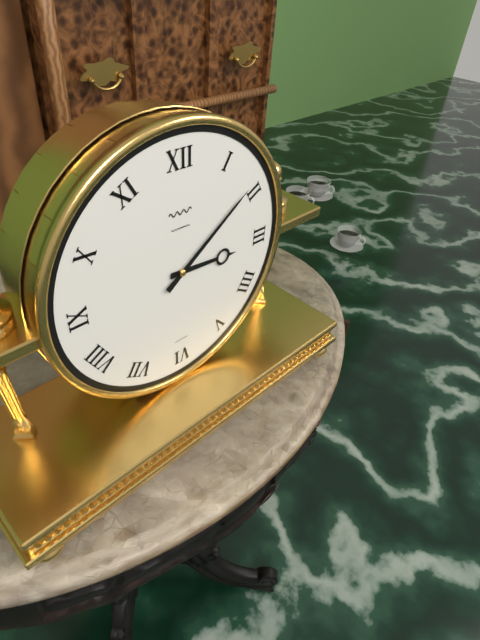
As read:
3:09
